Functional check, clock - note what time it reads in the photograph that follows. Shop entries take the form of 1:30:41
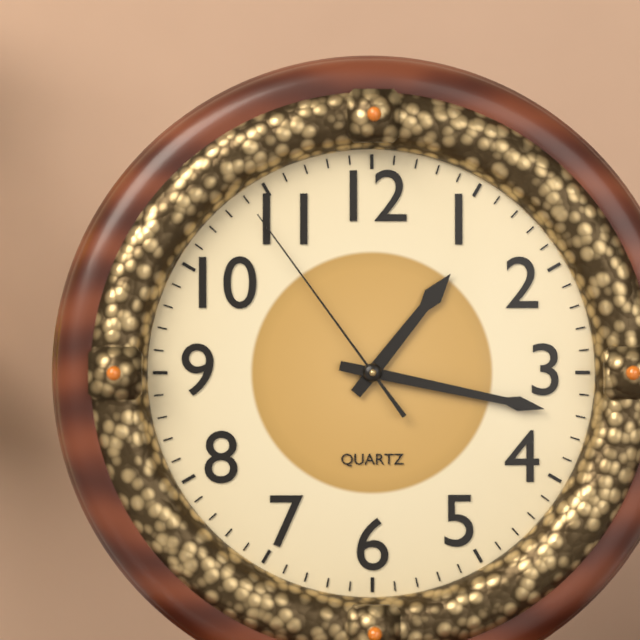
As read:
1:17:54
